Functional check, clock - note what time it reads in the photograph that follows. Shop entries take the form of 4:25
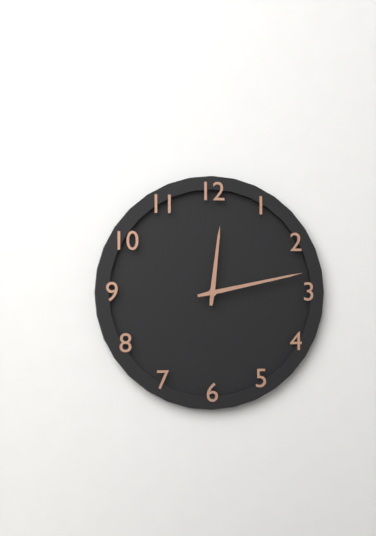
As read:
12:13
